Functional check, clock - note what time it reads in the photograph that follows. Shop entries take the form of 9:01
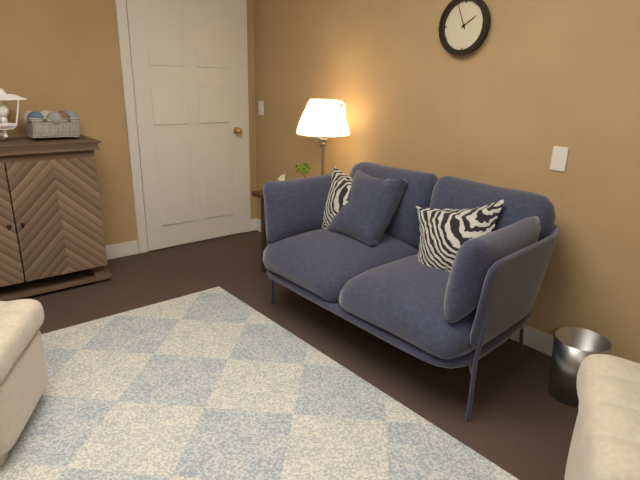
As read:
1:56
